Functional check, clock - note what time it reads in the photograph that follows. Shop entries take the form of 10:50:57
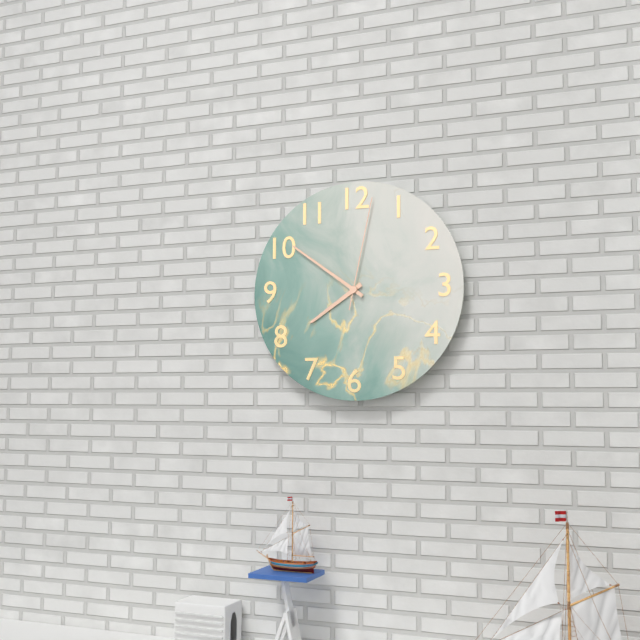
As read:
7:51:02
